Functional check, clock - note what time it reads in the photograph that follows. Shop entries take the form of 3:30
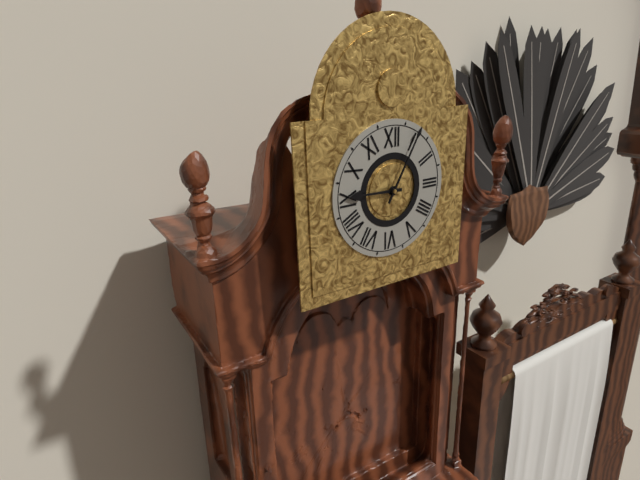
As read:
9:05
